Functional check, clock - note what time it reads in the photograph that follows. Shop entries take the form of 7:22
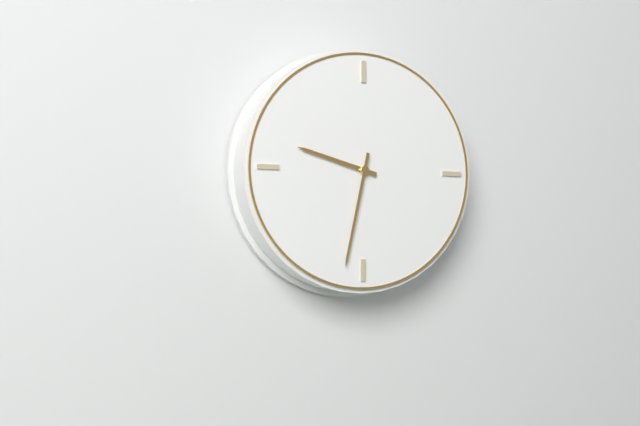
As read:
9:32
